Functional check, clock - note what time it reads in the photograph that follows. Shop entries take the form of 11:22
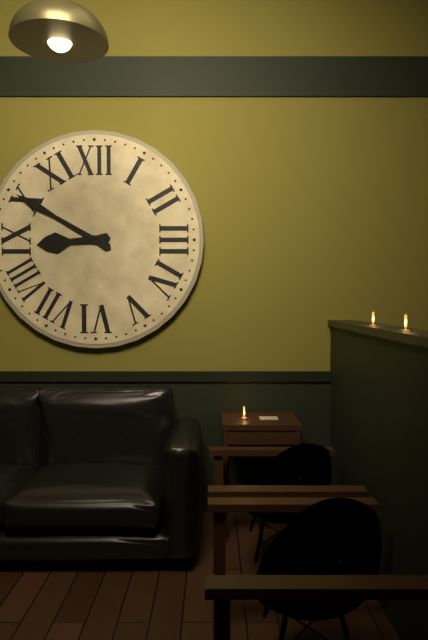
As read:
8:50
